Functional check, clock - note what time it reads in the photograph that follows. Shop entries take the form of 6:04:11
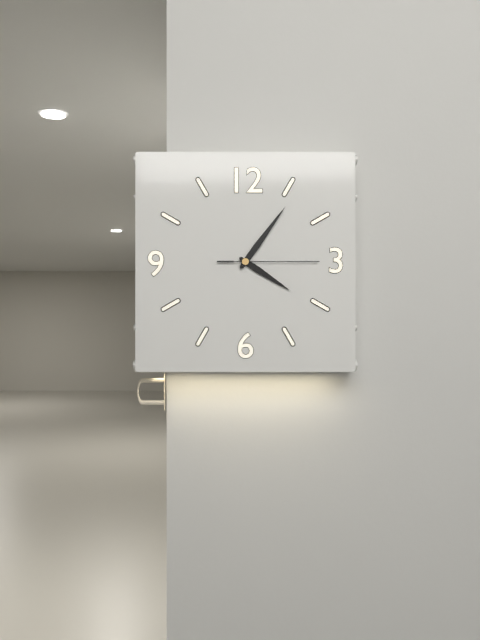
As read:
4:06:15
